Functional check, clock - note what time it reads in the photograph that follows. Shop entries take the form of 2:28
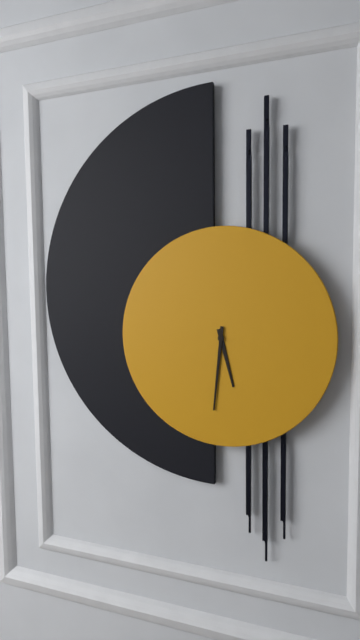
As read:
5:31
